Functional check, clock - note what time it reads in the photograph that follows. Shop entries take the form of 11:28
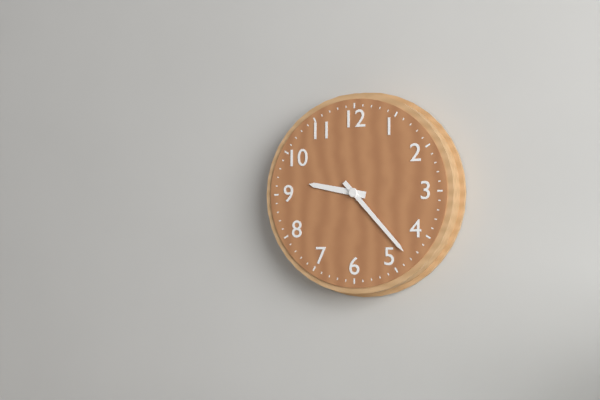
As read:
9:23
